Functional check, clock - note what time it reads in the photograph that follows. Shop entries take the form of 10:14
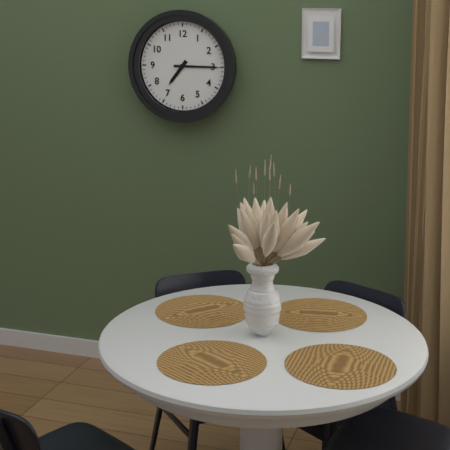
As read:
7:15
